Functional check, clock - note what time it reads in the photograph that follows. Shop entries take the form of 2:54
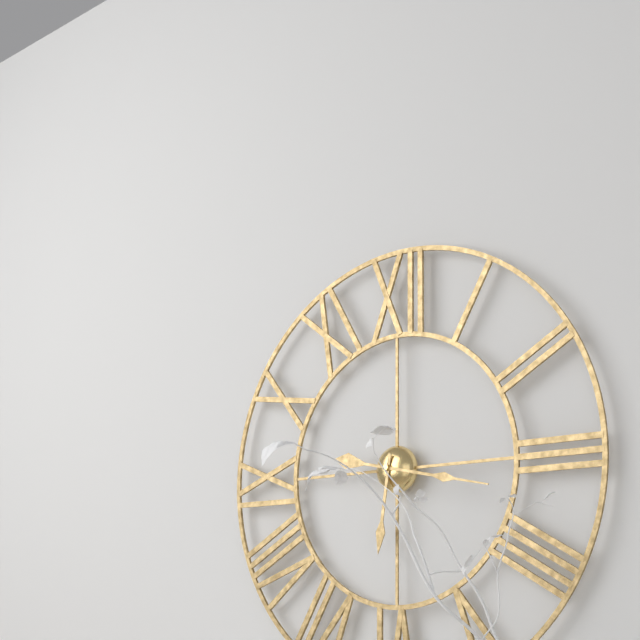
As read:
6:17
